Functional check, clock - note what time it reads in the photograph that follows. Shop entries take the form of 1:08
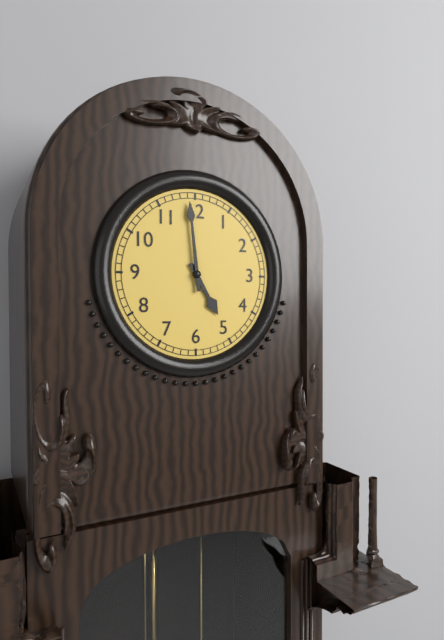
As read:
4:59
